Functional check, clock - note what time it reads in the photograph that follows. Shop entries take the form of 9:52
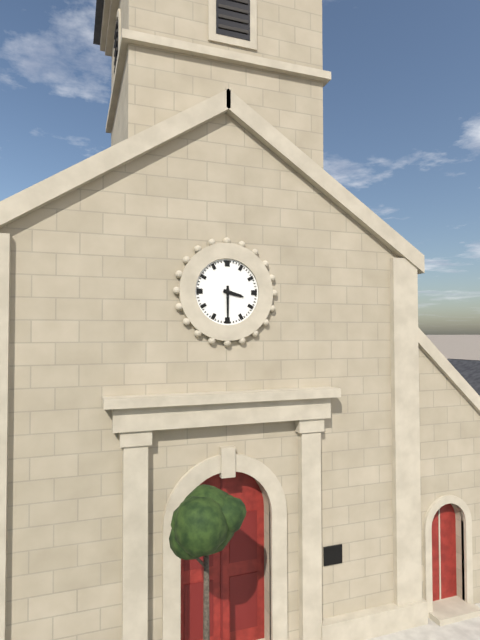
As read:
3:30
